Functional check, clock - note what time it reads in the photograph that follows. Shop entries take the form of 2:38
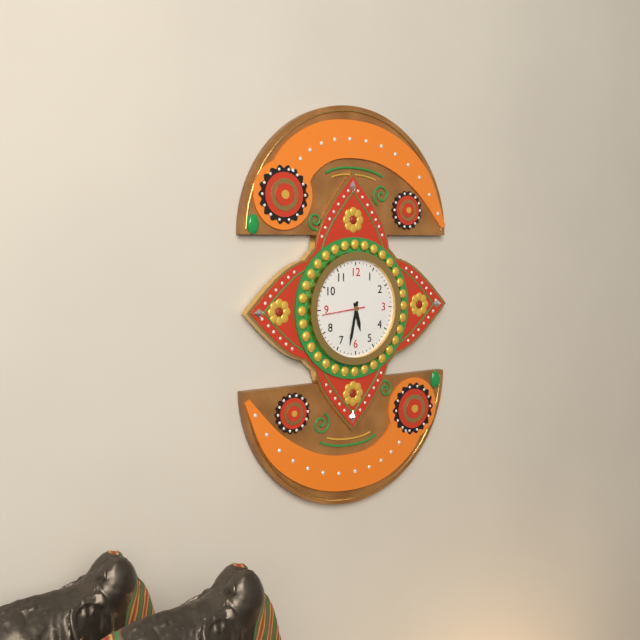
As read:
5:32
